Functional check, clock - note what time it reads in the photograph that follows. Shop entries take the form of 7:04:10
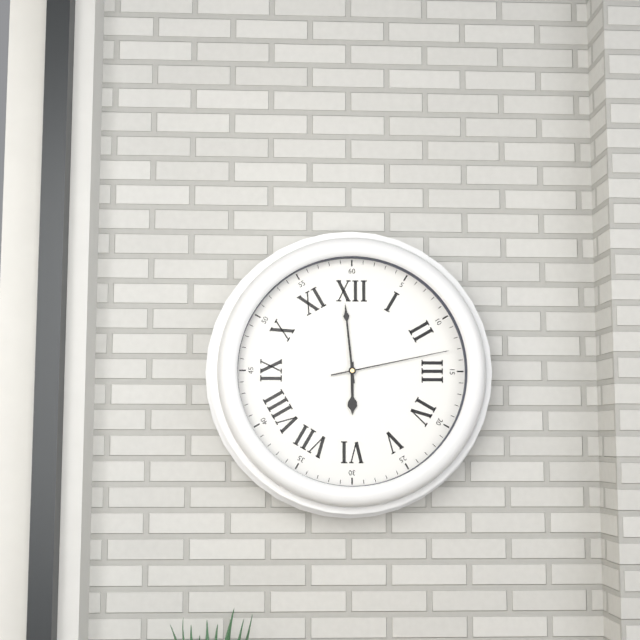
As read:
5:59:13
